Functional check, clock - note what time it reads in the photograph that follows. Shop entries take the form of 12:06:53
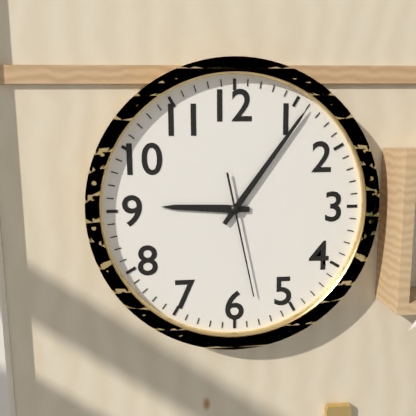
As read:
9:06:28
